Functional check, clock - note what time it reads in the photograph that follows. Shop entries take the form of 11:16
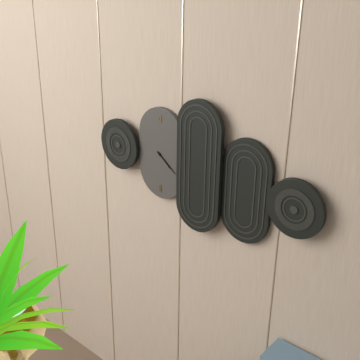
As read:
4:21
